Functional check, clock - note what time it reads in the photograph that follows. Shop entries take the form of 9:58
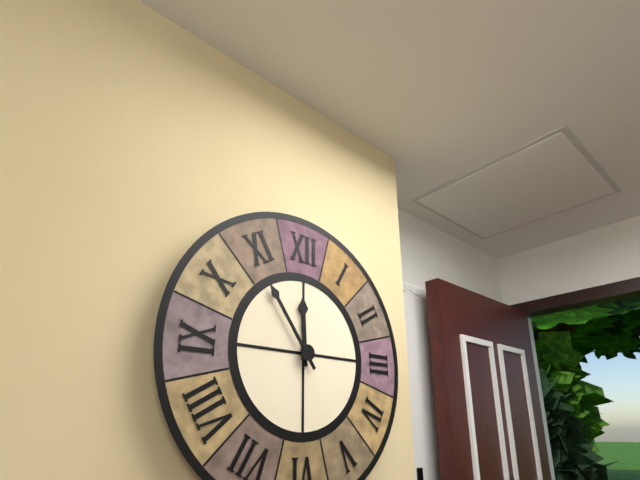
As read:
11:54
